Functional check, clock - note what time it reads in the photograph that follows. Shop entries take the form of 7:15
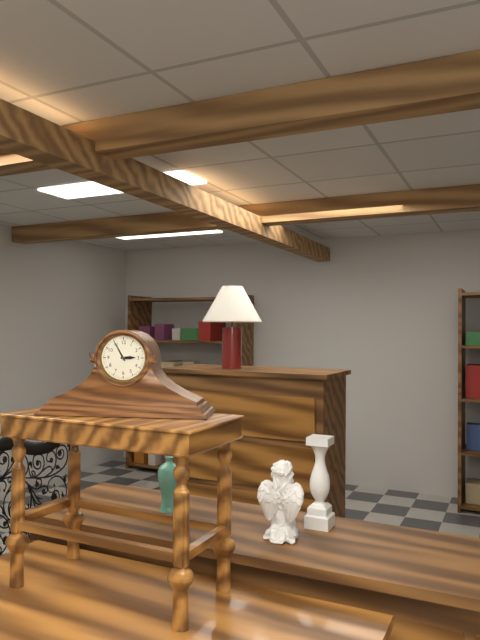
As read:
2:55
